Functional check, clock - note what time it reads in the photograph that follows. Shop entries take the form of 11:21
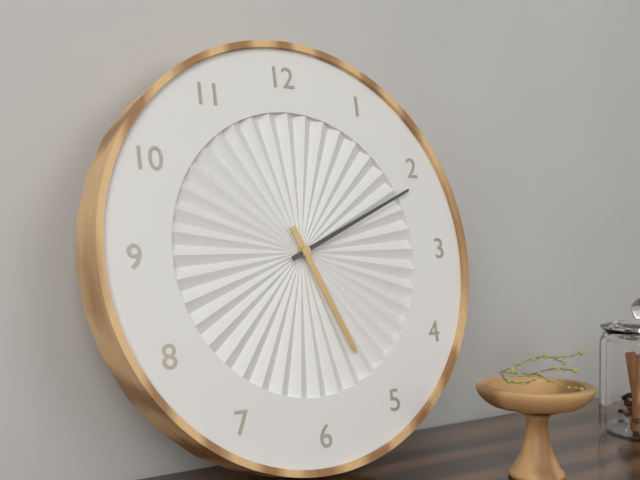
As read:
5:11
